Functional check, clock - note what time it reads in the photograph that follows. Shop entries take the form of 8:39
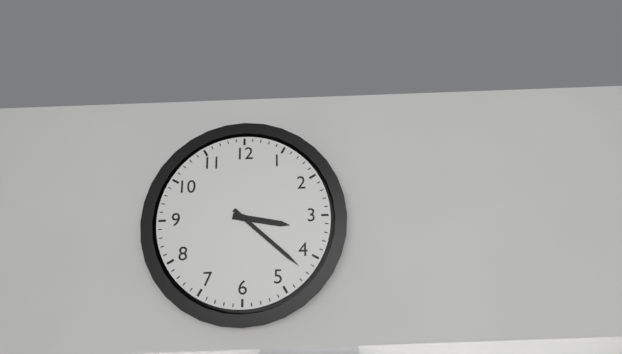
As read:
3:22
